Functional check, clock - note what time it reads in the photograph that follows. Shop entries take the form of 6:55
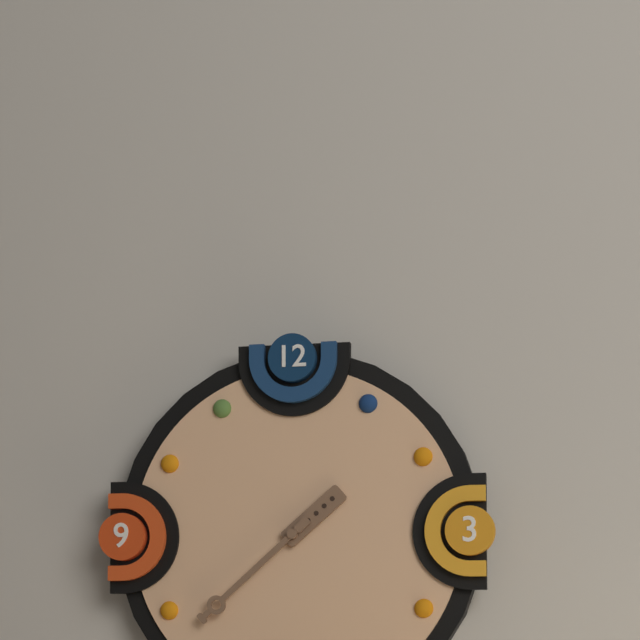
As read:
1:38
